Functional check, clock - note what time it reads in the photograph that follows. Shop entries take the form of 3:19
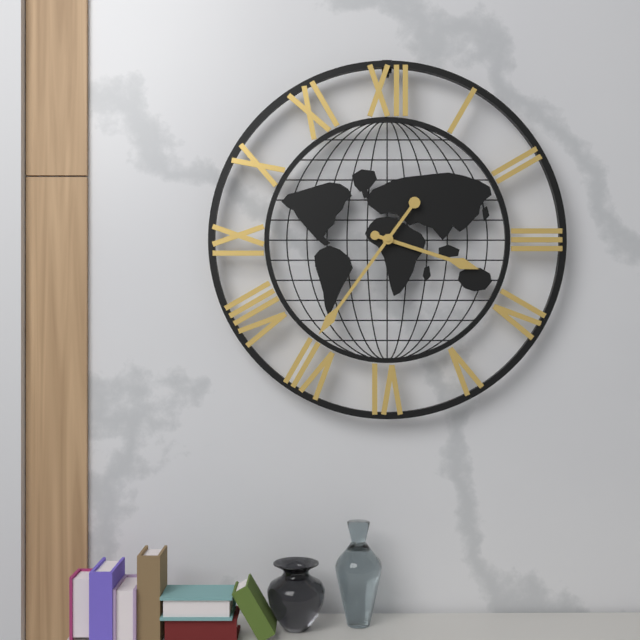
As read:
3:36
